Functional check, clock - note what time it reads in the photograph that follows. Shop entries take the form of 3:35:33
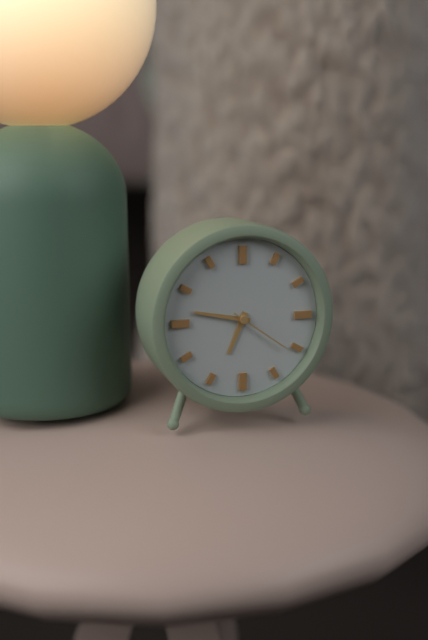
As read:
6:47:21
